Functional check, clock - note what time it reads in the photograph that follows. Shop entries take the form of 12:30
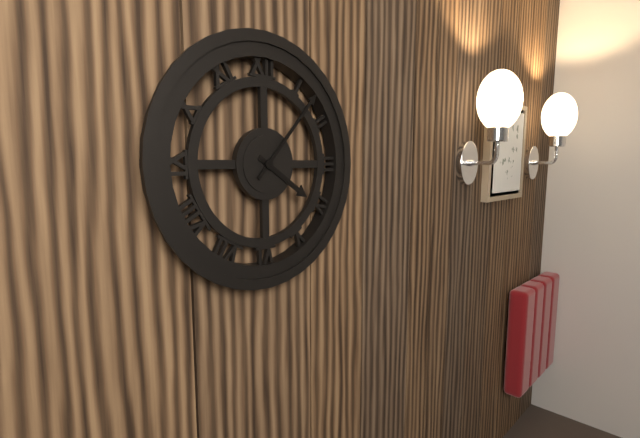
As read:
4:07
